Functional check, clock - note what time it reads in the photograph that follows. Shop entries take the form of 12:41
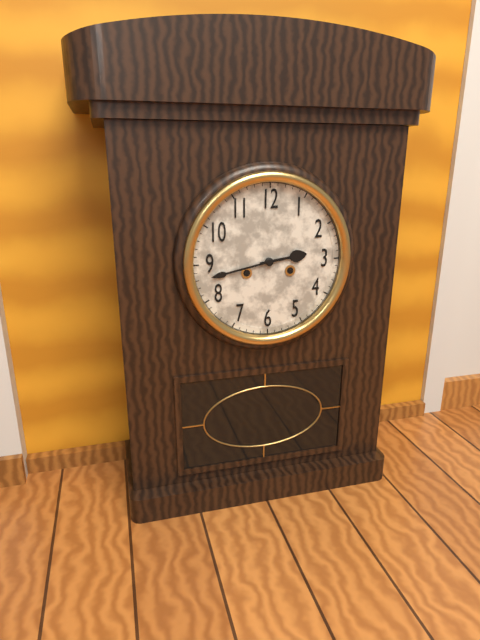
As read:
2:43
